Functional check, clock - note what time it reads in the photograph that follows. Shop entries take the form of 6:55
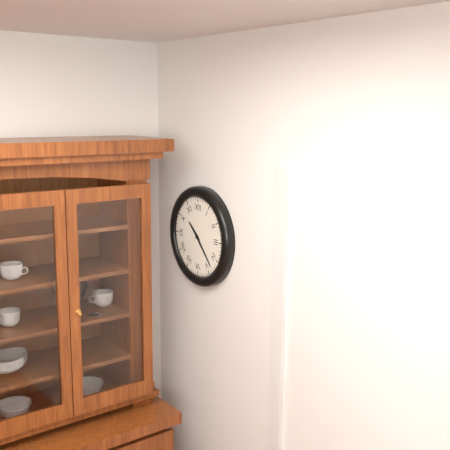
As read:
10:23
